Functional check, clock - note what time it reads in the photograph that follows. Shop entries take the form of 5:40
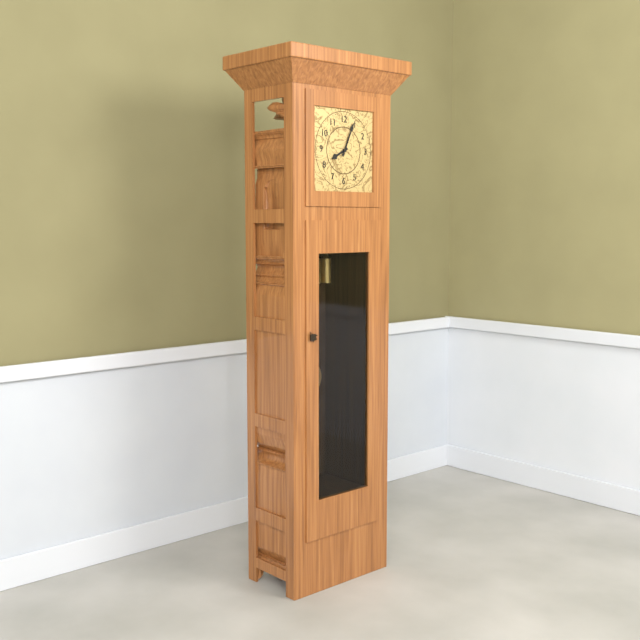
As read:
8:04
